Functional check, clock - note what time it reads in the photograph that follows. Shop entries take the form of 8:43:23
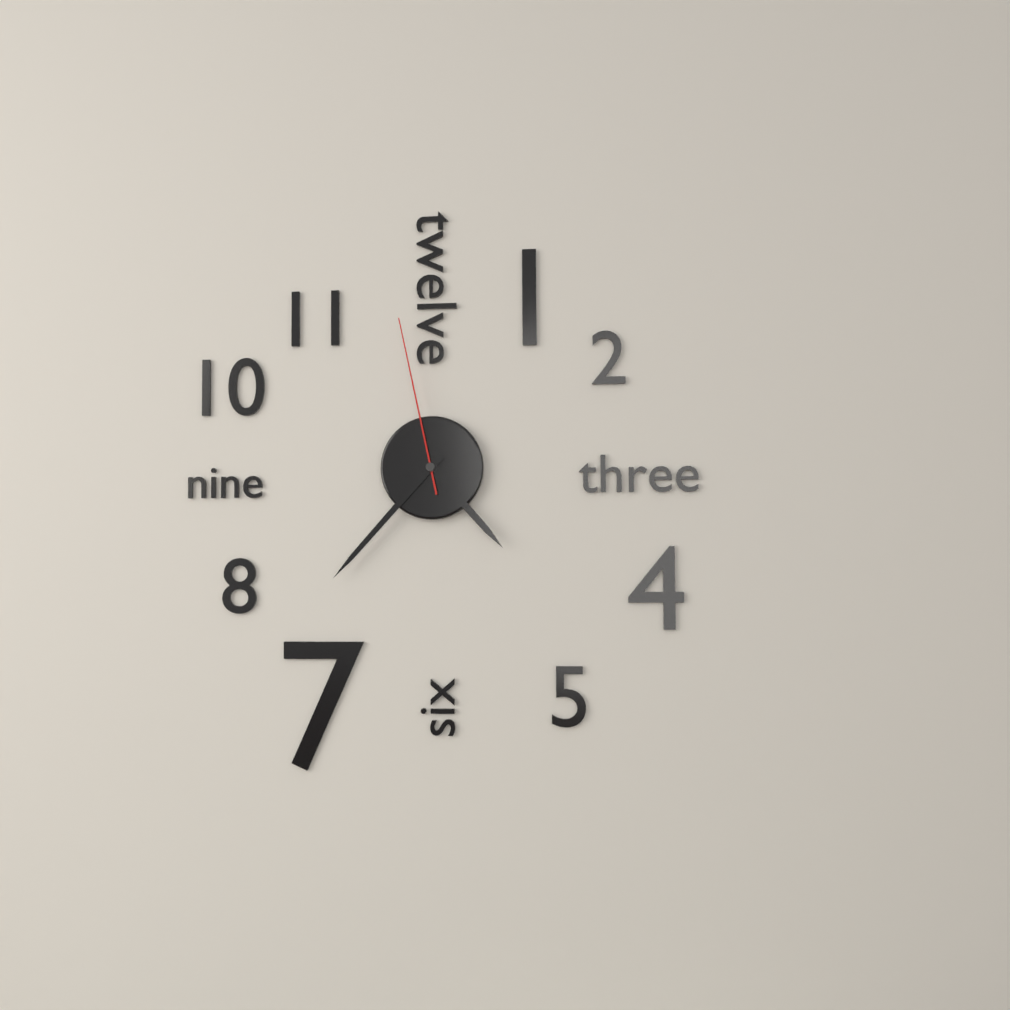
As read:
4:37:58
